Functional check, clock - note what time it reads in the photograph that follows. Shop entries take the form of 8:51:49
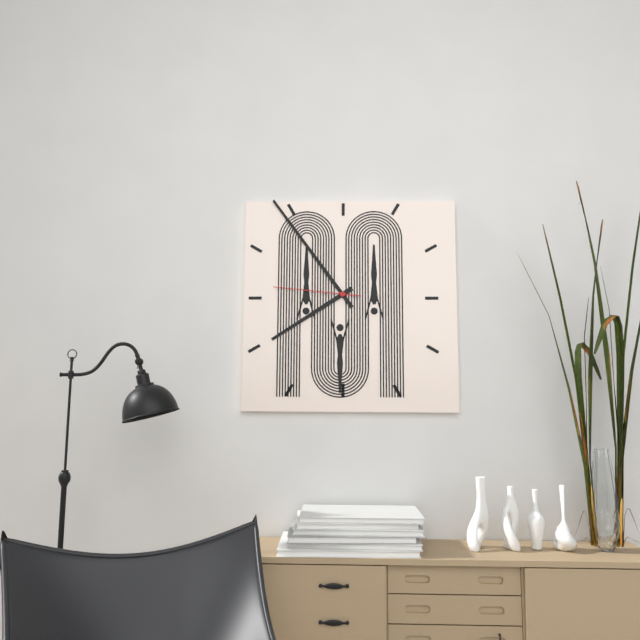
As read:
7:54:46
